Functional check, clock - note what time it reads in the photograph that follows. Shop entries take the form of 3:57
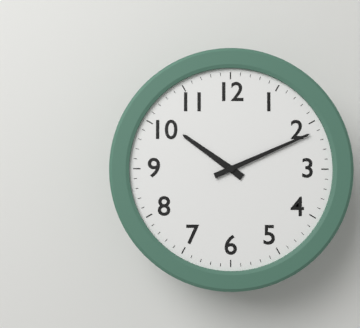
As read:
10:11
